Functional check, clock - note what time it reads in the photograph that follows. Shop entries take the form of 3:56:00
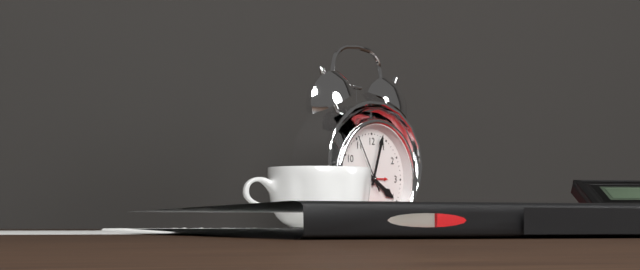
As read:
4:03:55
